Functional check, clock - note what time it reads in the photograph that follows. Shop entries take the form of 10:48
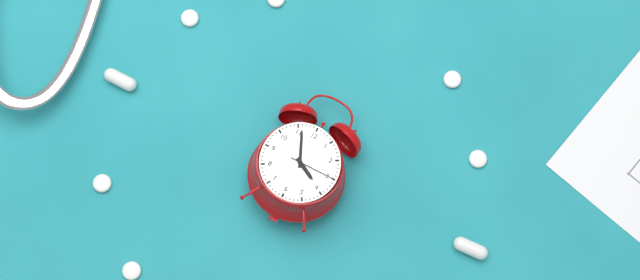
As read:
3:56
